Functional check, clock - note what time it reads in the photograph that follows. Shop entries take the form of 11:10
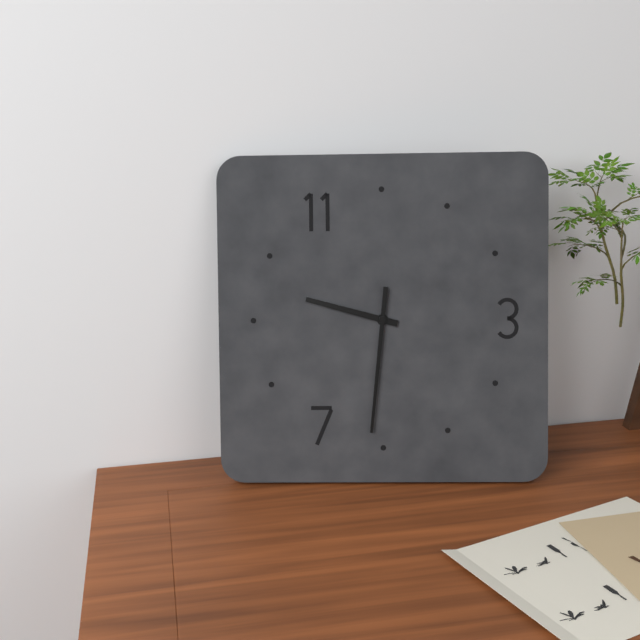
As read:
9:31
